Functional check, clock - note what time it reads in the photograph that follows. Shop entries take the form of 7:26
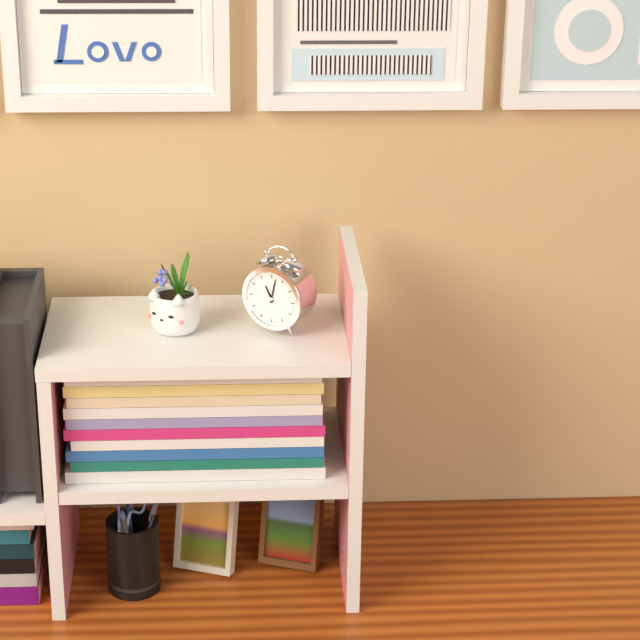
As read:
11:02
